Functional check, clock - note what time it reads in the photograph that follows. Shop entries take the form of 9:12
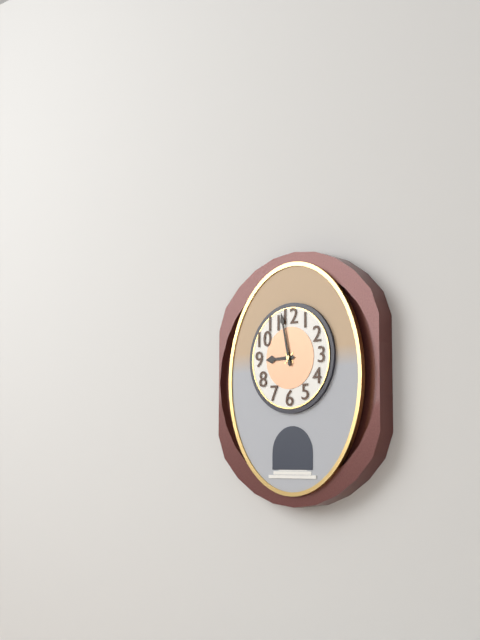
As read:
8:58
